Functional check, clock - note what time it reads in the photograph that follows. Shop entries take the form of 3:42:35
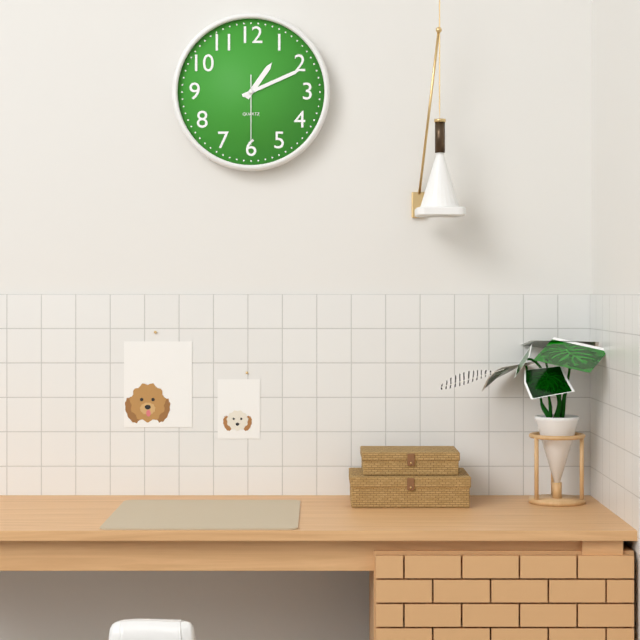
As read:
1:11:30
